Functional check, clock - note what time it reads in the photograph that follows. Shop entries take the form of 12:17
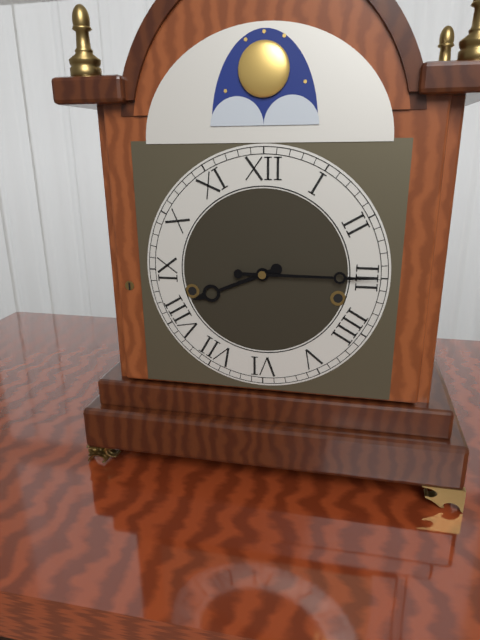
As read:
8:15
